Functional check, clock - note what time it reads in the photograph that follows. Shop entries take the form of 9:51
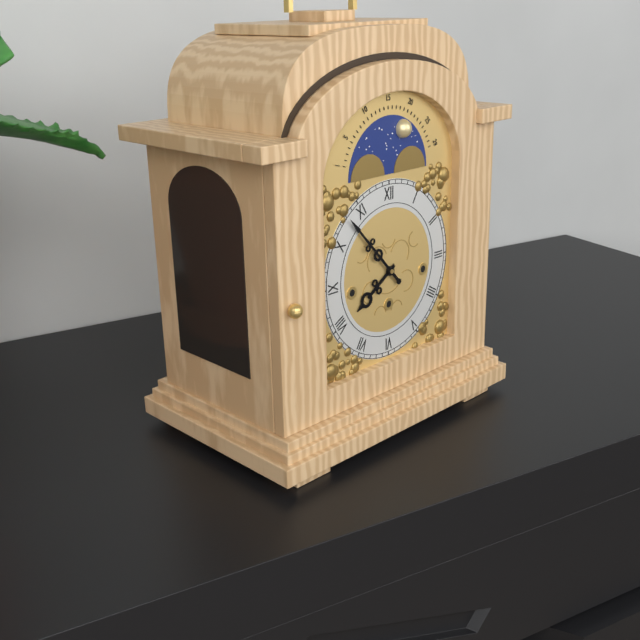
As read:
7:53
